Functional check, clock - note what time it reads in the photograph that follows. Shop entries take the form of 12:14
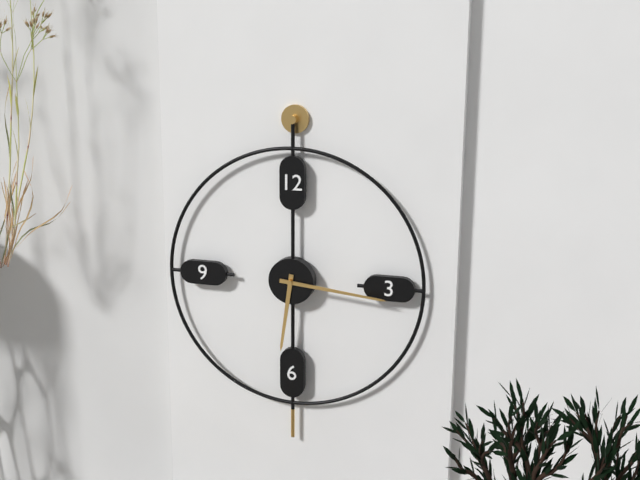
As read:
6:16
